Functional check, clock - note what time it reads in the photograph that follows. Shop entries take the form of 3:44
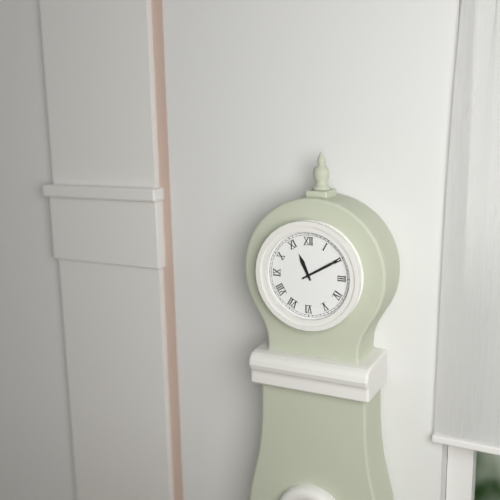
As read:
11:10
